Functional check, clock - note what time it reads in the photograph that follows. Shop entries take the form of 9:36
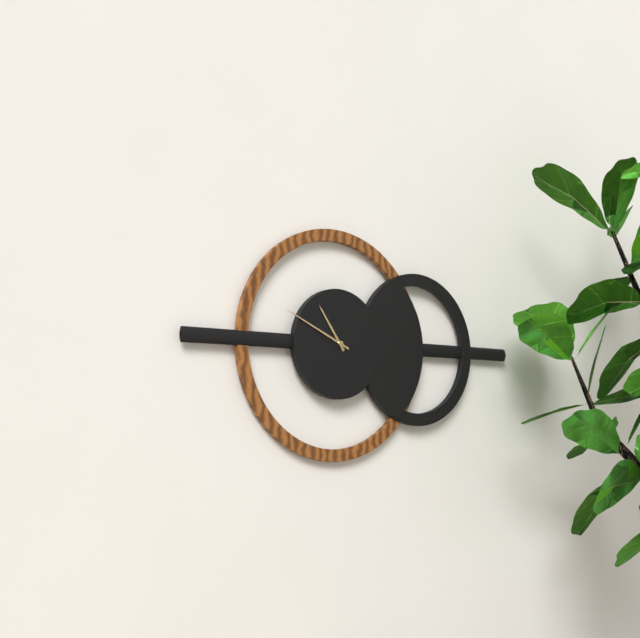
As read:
10:49
